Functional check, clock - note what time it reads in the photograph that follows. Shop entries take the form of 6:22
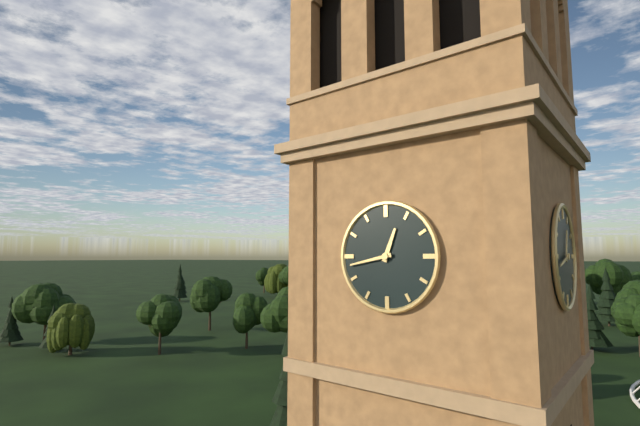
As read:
12:43
